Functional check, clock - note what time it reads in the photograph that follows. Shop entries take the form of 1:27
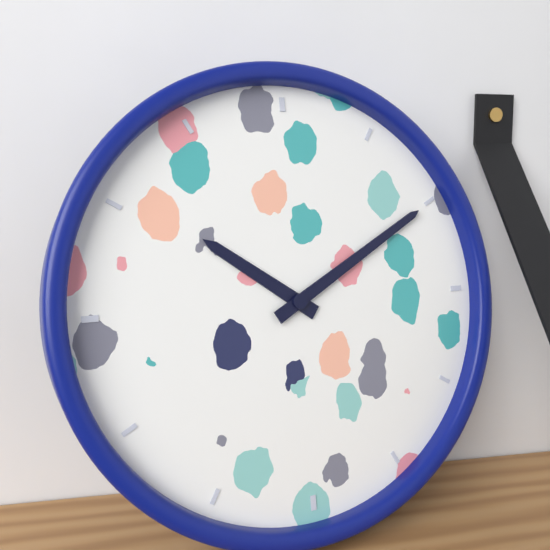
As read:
10:10
